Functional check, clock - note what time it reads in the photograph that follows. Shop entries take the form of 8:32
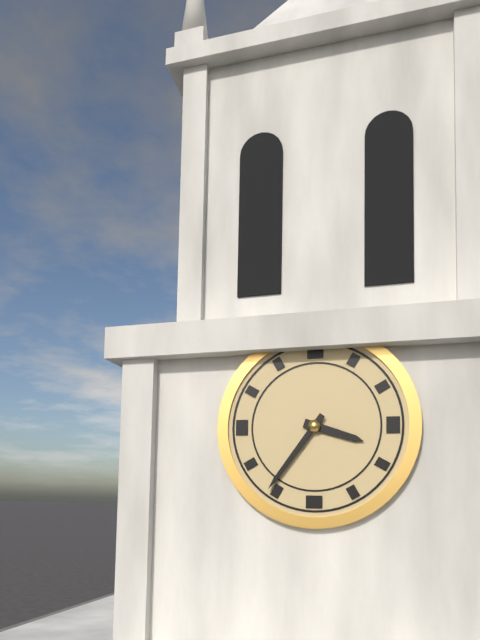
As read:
3:36
